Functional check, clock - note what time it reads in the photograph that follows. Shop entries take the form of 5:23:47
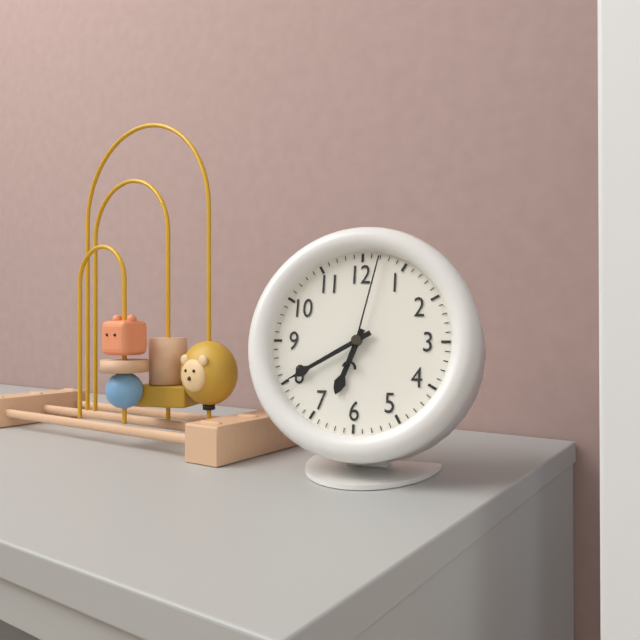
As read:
6:40:02
